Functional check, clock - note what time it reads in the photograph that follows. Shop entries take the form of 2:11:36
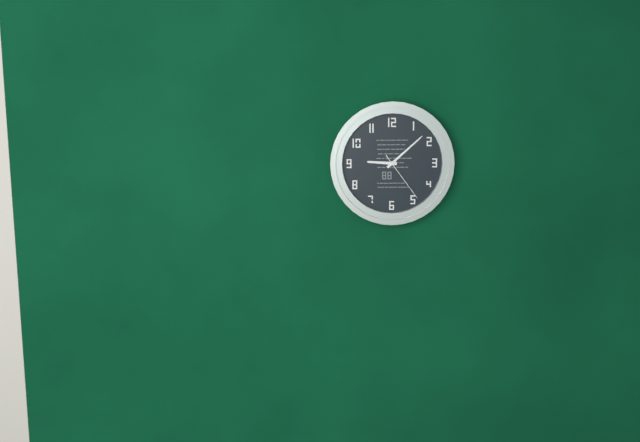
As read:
9:08:24
